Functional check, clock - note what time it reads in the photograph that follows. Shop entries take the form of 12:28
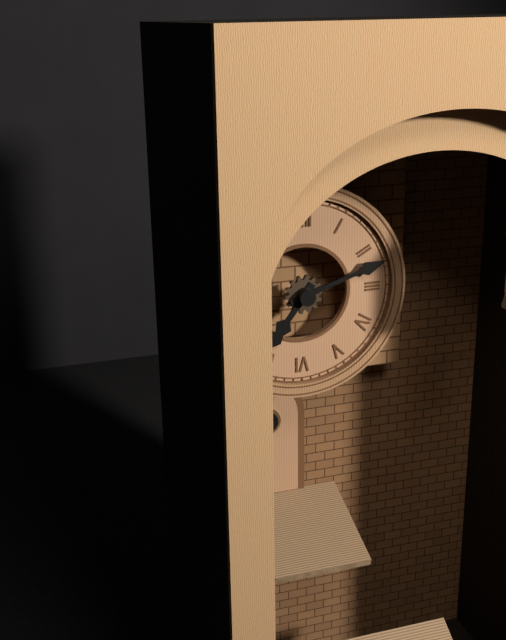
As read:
7:12
